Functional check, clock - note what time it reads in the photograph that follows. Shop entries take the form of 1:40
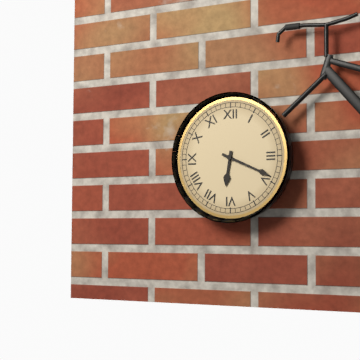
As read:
6:19
